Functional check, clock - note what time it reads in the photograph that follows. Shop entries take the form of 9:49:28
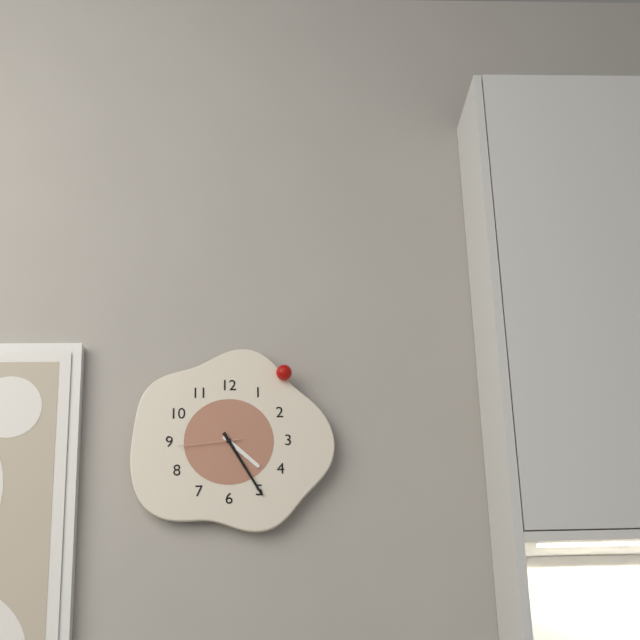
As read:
4:25:44
